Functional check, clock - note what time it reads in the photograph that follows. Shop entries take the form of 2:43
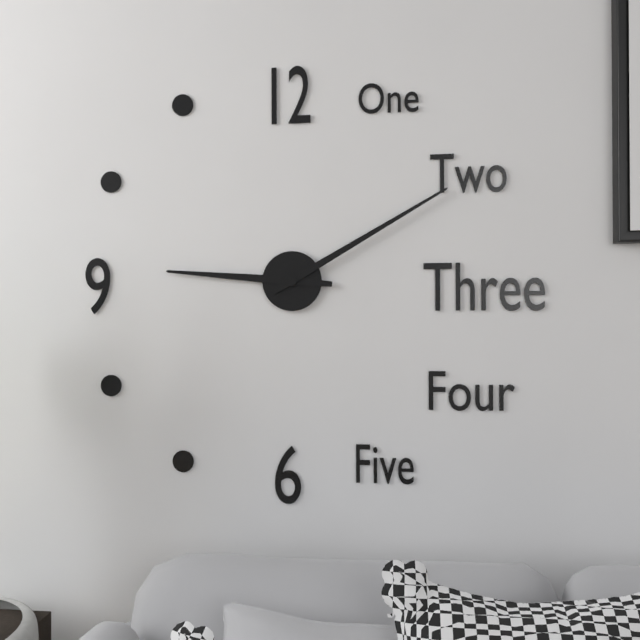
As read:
9:10
